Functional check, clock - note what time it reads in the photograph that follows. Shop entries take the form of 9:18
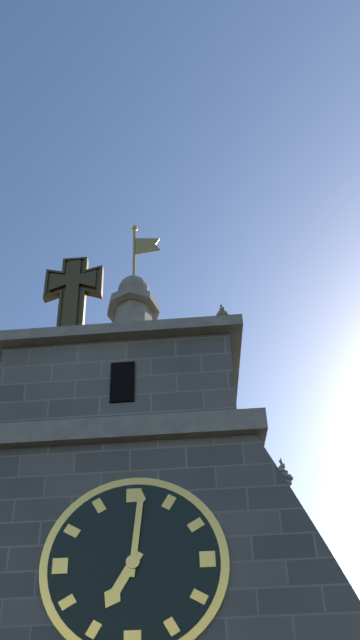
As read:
7:01
